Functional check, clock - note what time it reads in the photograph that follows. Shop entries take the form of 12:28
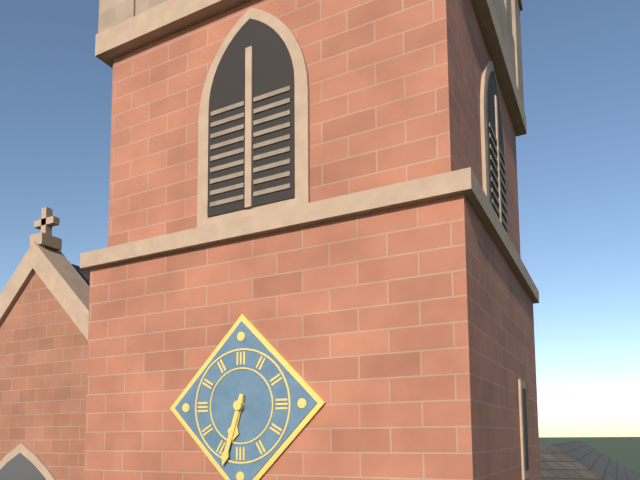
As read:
6:33
